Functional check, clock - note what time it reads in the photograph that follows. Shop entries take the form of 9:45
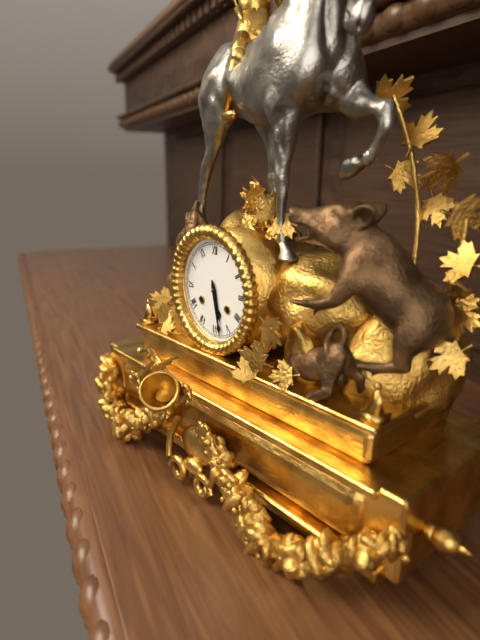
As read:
5:28
